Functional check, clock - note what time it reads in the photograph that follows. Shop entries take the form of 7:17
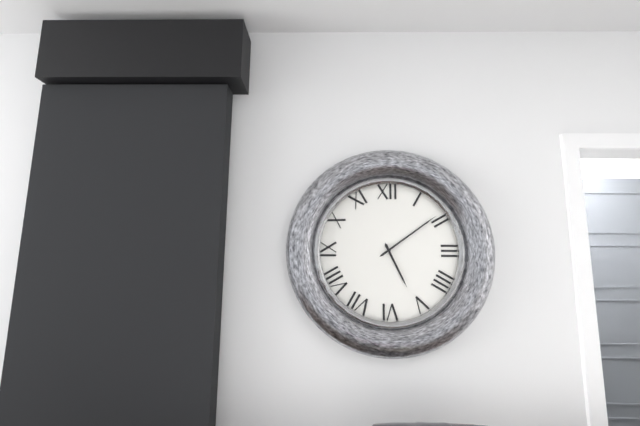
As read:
5:09
